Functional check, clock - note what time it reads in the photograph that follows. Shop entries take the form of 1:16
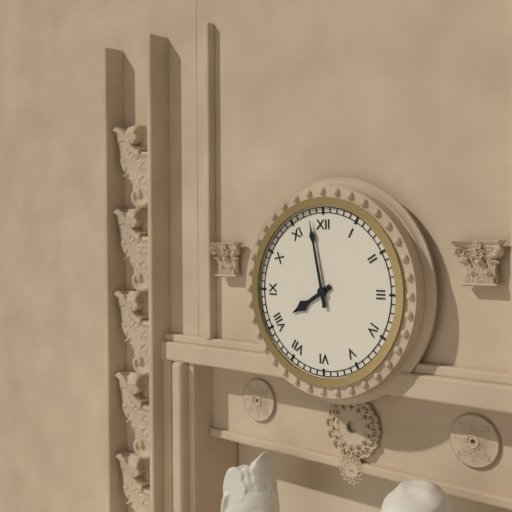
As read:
7:58
